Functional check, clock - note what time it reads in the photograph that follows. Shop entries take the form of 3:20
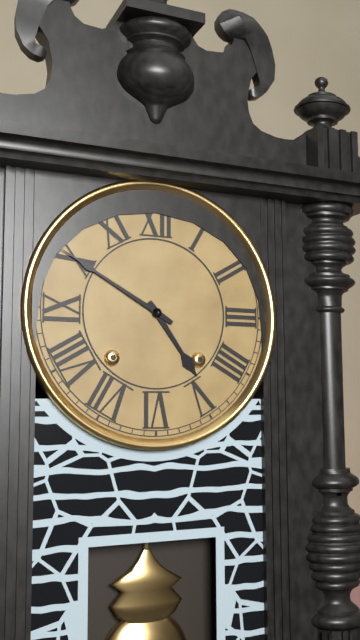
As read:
4:50
